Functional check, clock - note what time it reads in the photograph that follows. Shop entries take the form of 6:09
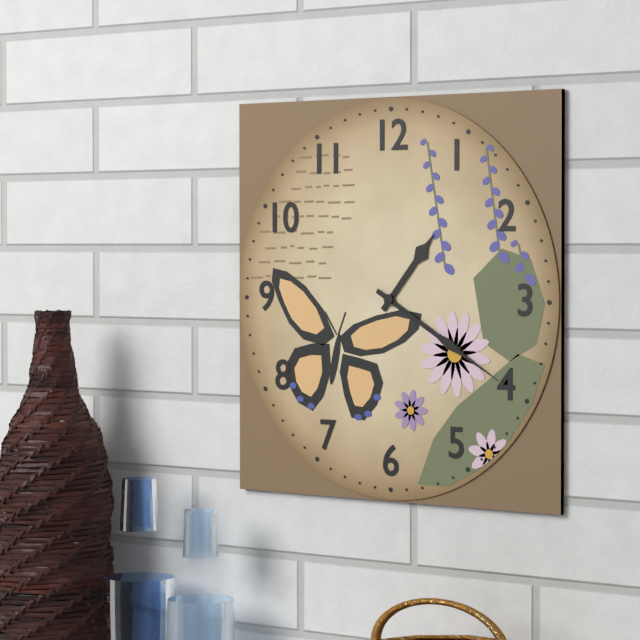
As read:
1:20
